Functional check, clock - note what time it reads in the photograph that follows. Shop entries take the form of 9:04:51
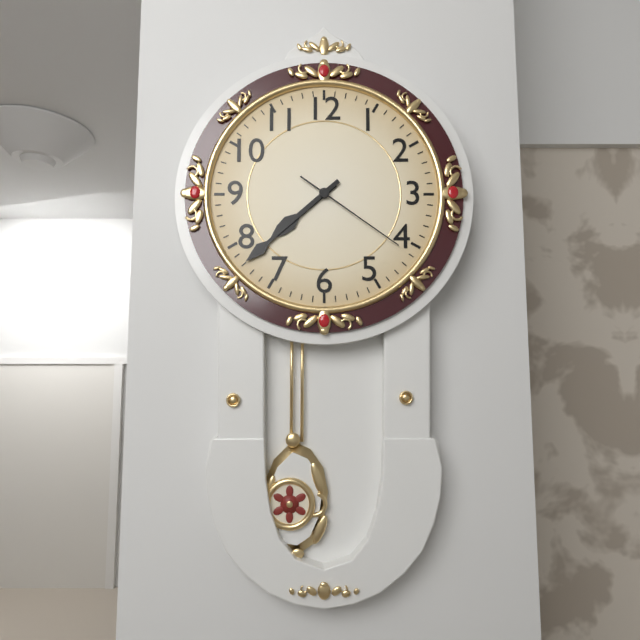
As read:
7:38:21
